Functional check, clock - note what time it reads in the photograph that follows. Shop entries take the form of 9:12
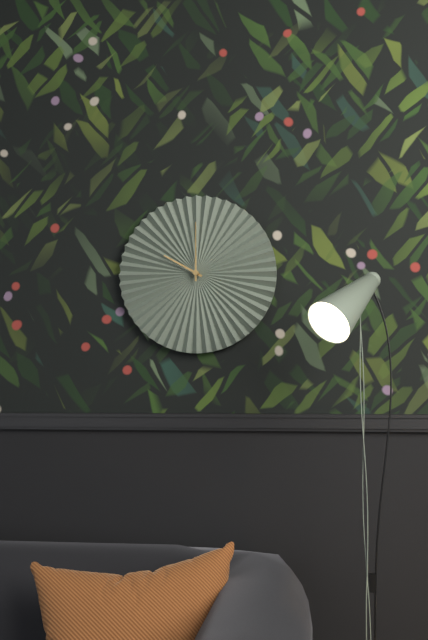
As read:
10:00
